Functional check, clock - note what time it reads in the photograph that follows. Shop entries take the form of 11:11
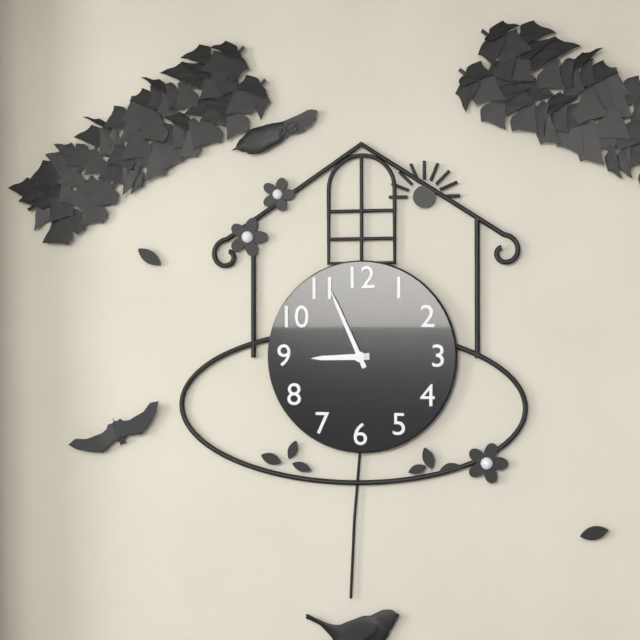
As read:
8:56
